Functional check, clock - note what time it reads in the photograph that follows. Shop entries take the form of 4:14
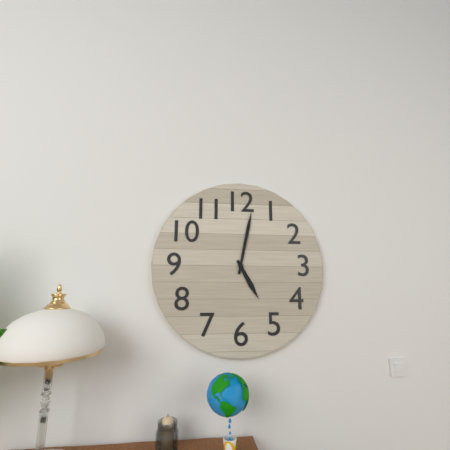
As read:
5:02
